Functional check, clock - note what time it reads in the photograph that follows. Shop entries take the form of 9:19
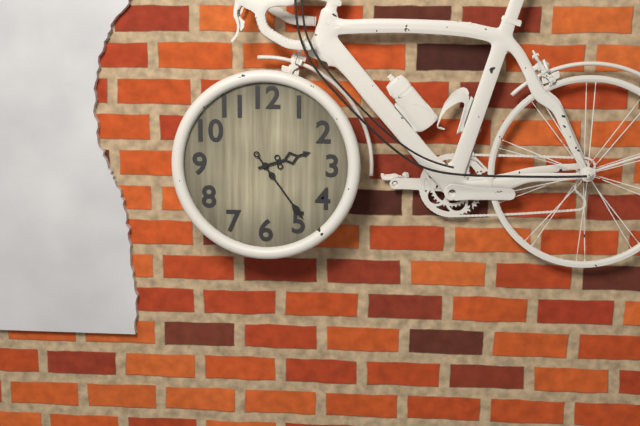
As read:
2:24
